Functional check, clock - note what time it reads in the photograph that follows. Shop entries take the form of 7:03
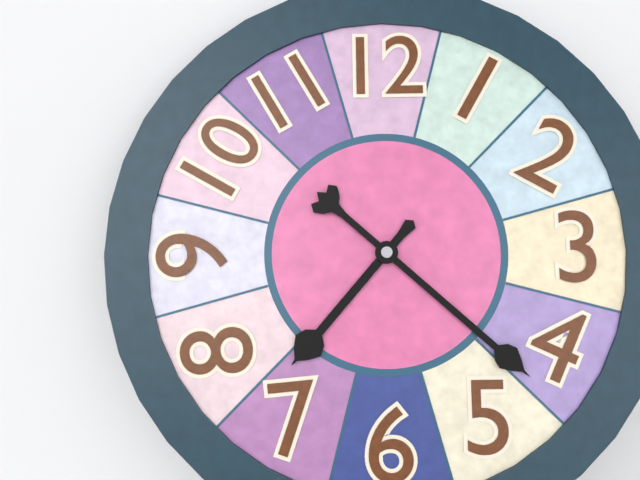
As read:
7:22
